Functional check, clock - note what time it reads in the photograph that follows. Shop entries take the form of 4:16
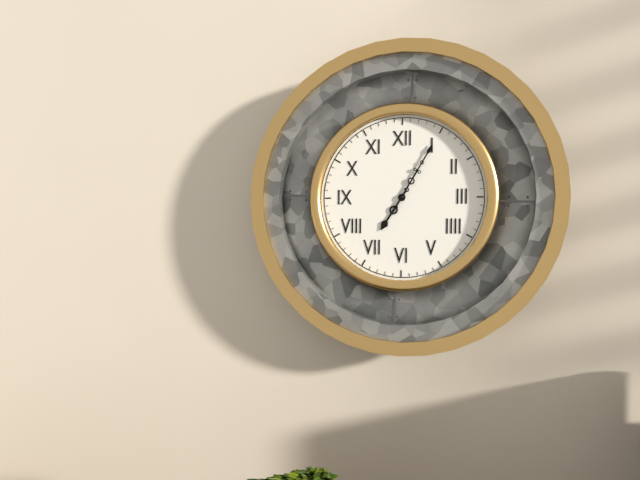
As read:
7:05
